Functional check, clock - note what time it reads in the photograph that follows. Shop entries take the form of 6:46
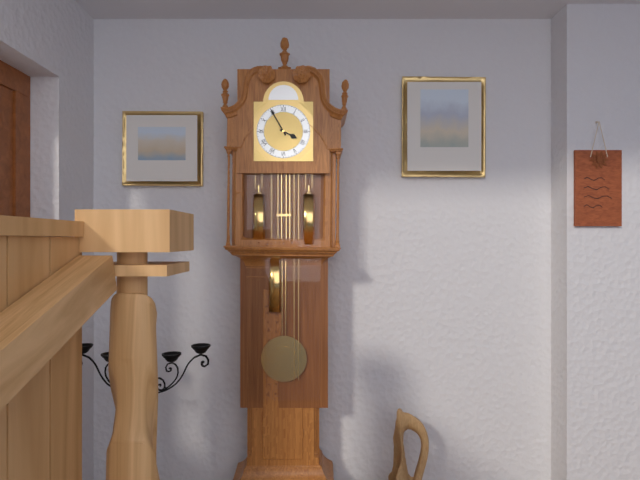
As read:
3:55
